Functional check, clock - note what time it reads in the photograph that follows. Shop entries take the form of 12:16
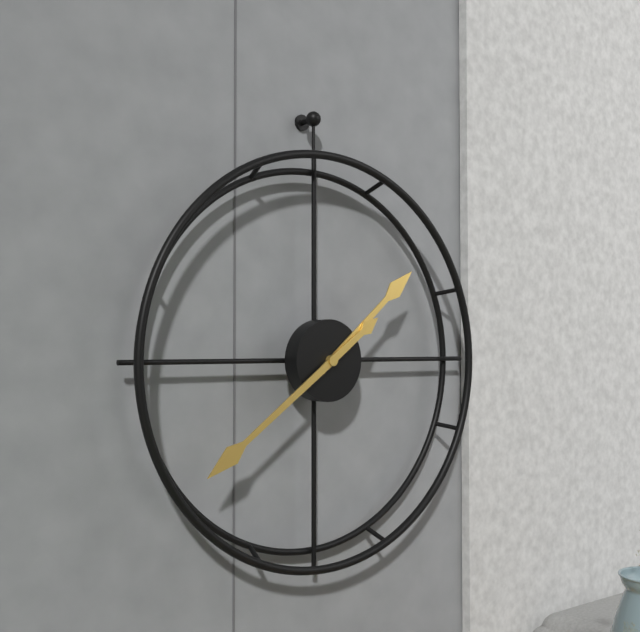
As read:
1:39
